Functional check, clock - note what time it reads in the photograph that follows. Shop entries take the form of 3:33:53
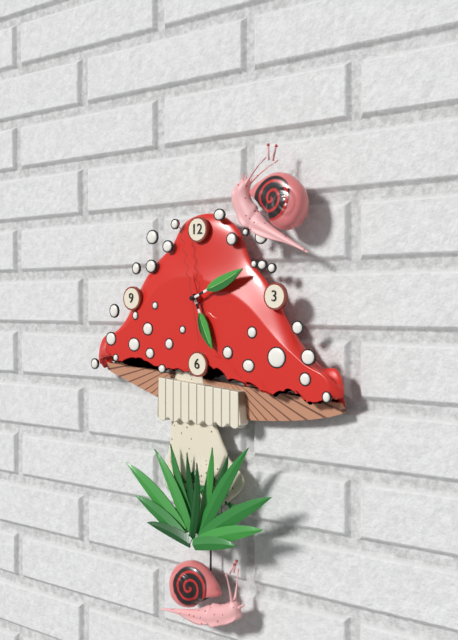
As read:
5:11:58
